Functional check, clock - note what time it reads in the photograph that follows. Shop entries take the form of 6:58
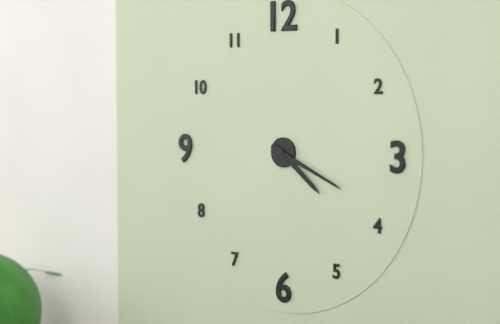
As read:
4:19
